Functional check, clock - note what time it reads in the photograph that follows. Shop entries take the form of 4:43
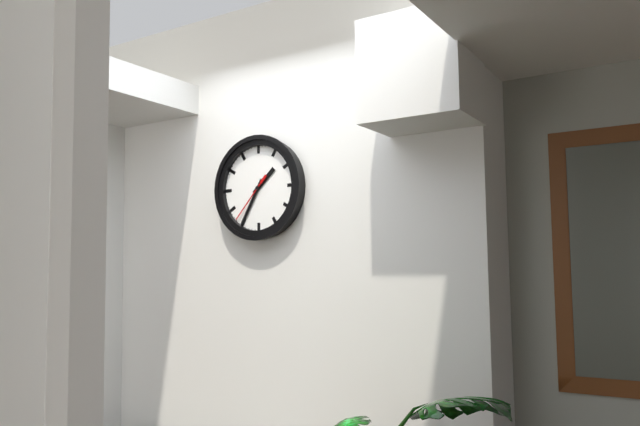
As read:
1:35
